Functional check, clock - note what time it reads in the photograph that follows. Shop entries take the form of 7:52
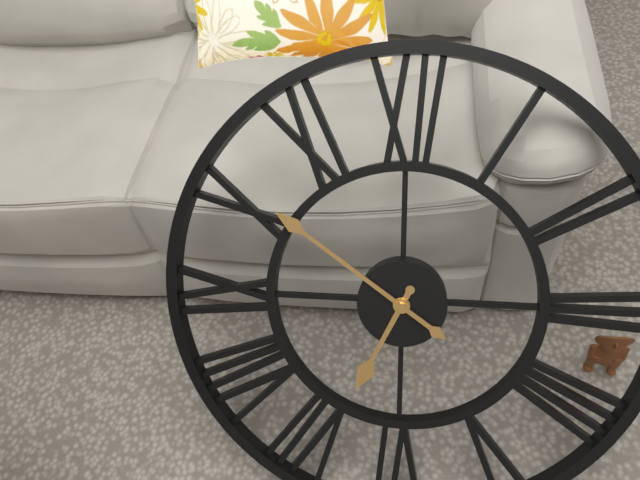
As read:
6:51
